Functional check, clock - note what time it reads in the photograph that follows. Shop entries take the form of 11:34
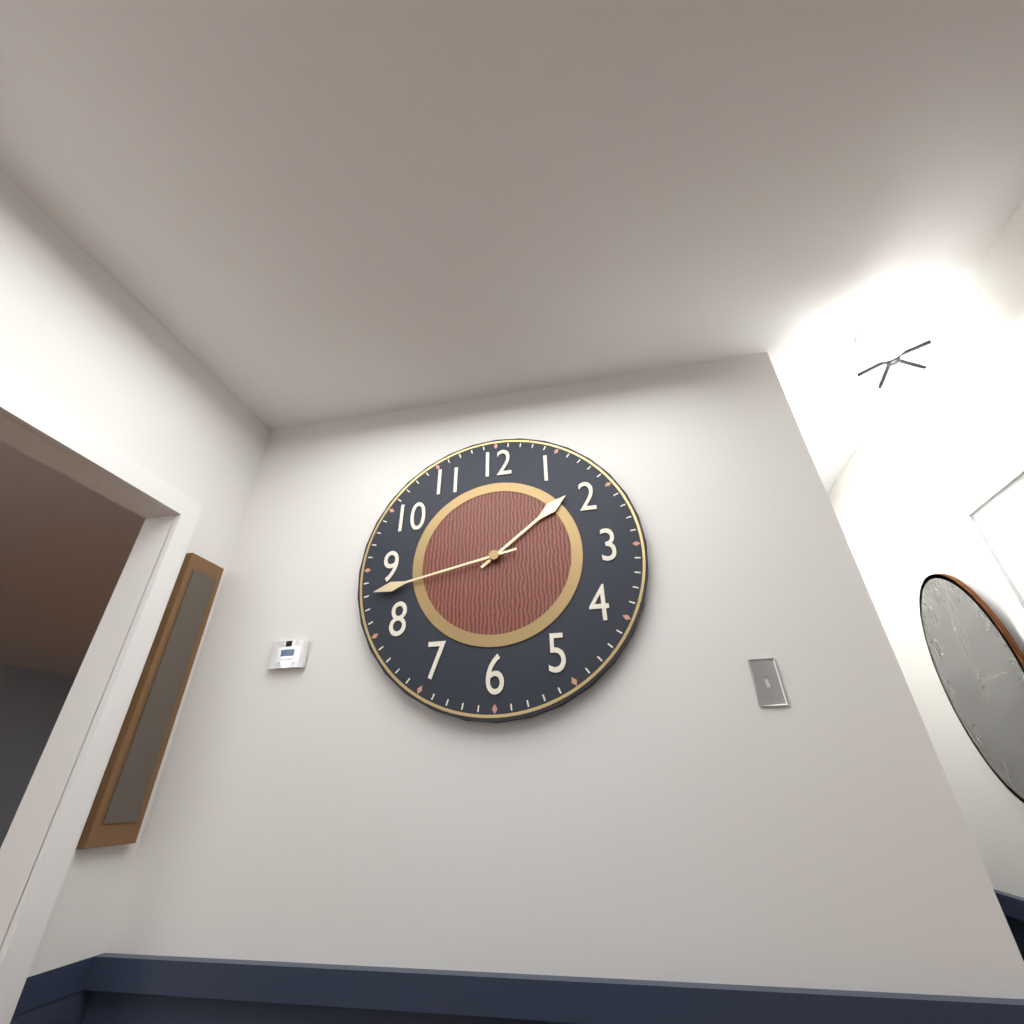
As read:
1:43
